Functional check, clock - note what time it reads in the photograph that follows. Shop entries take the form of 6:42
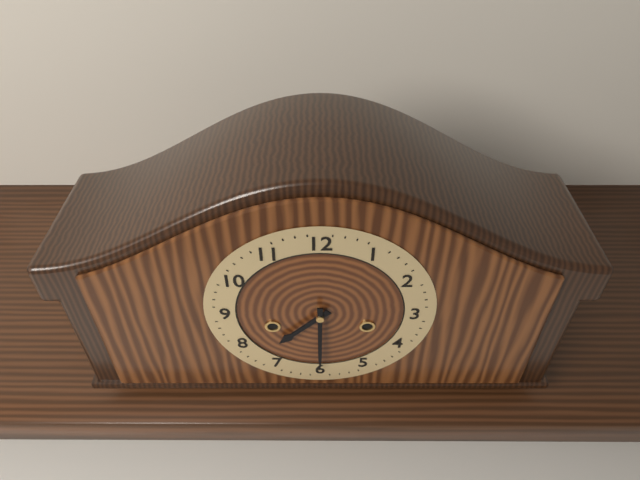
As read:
7:30
